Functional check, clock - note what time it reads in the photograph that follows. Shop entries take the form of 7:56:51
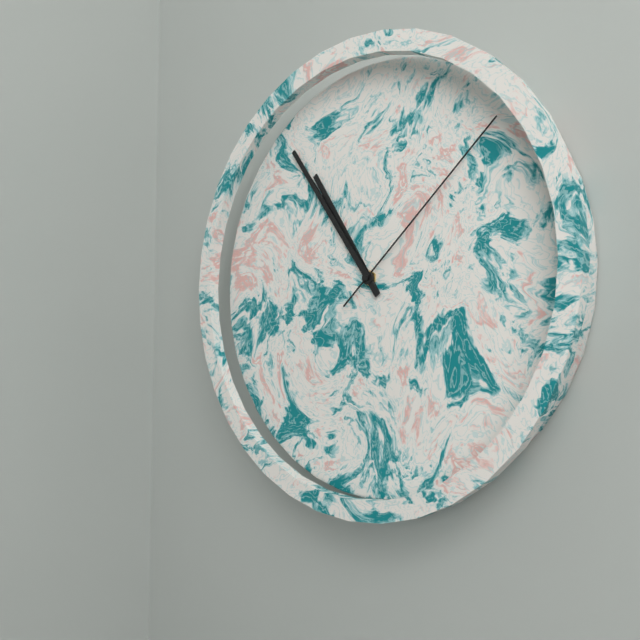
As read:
10:54:08
